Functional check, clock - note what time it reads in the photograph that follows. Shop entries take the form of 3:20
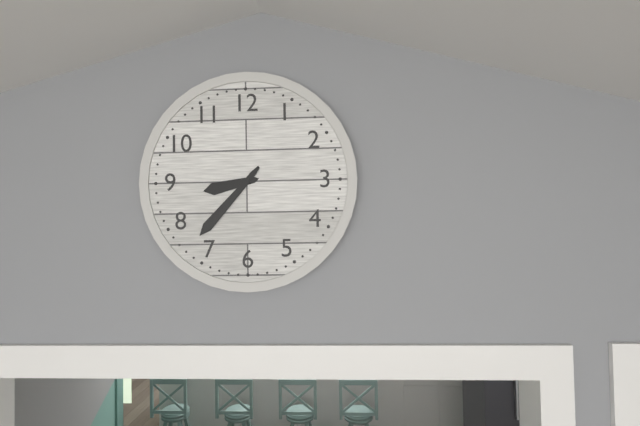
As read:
8:37
